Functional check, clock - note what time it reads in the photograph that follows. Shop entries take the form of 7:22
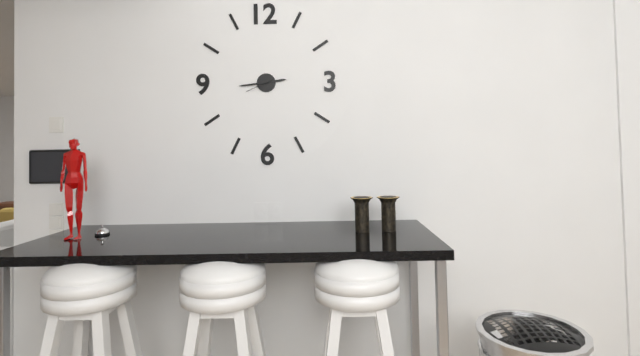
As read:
2:44
